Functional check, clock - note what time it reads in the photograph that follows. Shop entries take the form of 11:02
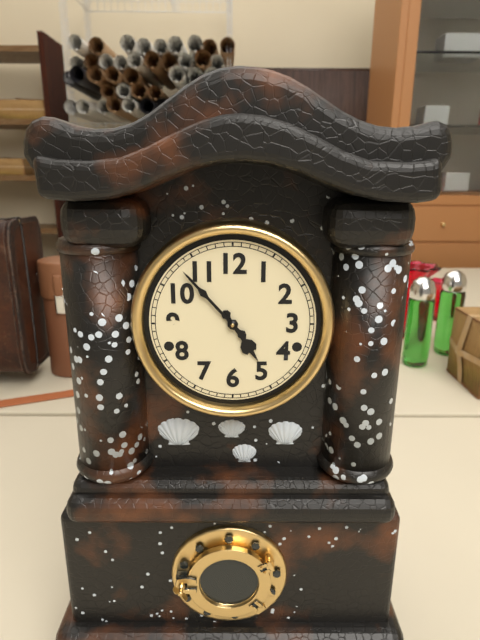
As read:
4:53
